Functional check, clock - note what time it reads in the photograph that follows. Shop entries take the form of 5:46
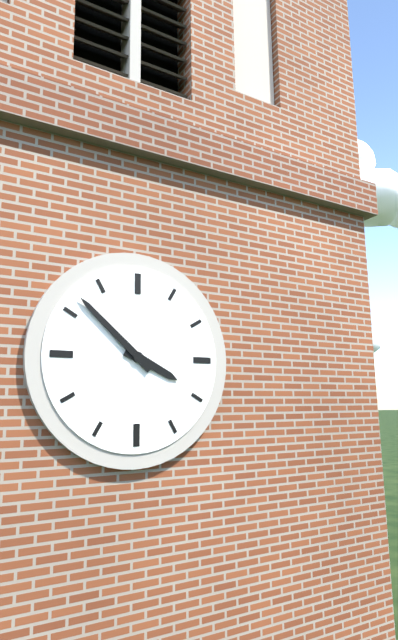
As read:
3:52
